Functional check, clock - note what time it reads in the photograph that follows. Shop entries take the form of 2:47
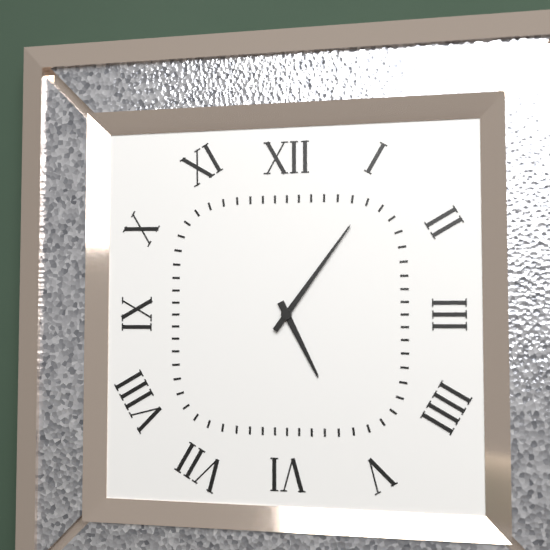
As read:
5:06
